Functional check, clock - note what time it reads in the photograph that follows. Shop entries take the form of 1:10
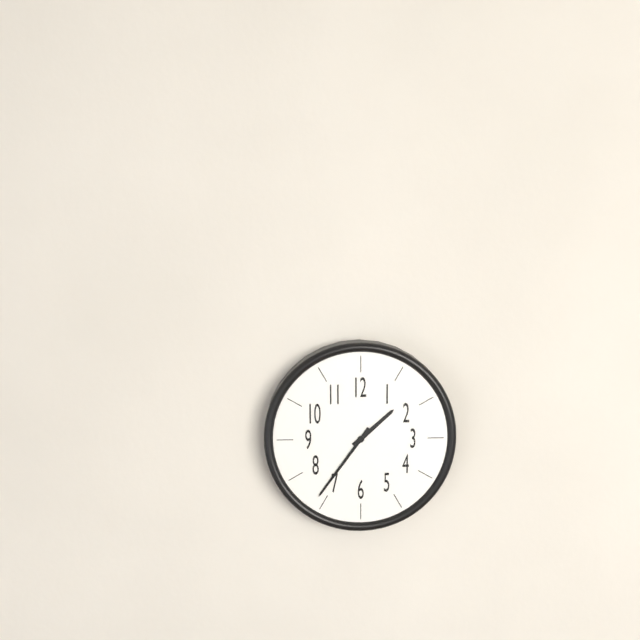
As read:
1:36
